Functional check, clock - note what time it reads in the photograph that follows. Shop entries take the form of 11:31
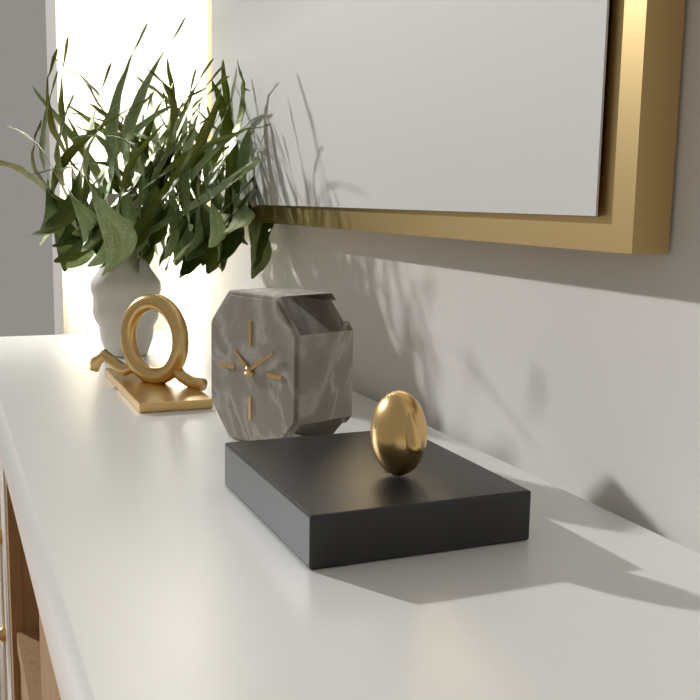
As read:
10:10
